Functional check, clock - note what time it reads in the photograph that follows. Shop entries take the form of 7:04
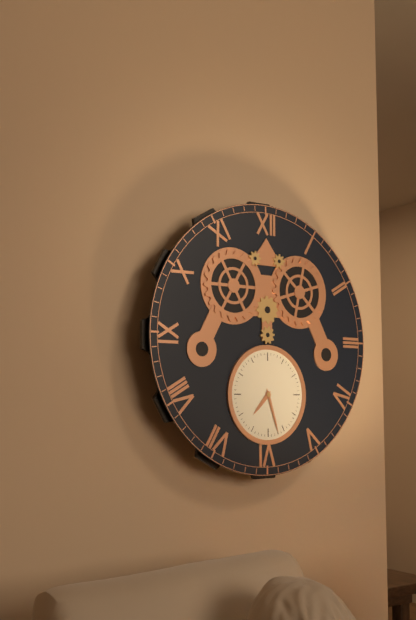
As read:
7:27
